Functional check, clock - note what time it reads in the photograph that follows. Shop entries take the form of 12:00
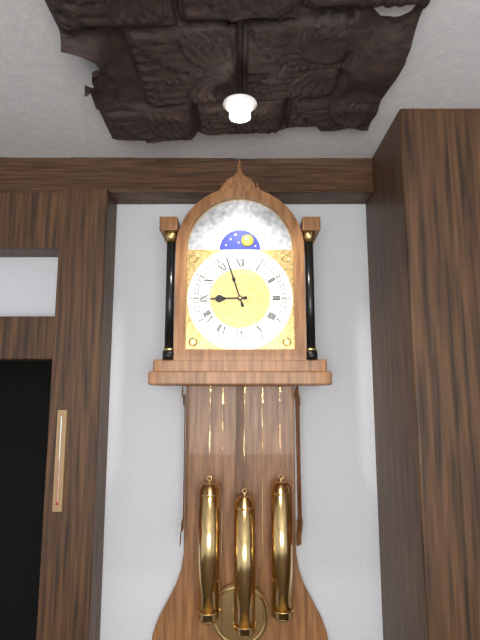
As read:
8:57
